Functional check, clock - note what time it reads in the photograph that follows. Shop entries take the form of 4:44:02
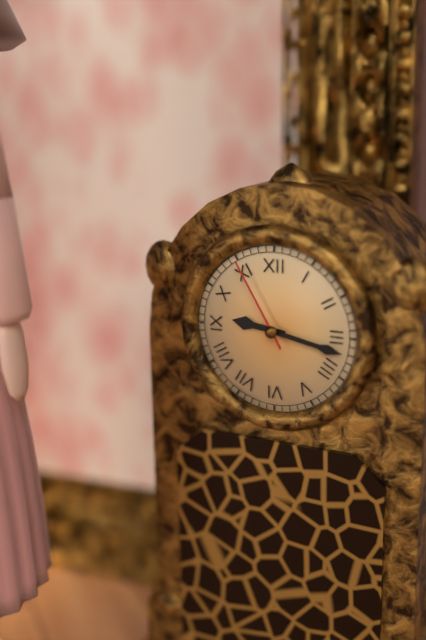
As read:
9:17:55
